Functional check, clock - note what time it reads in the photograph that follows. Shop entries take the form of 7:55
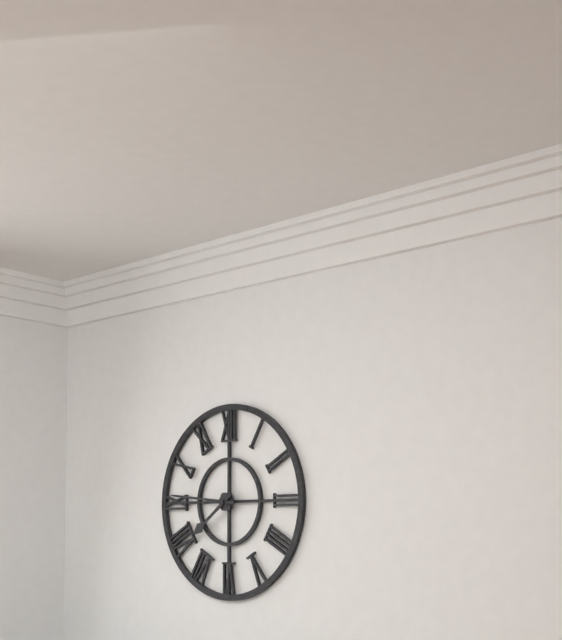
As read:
7:46
